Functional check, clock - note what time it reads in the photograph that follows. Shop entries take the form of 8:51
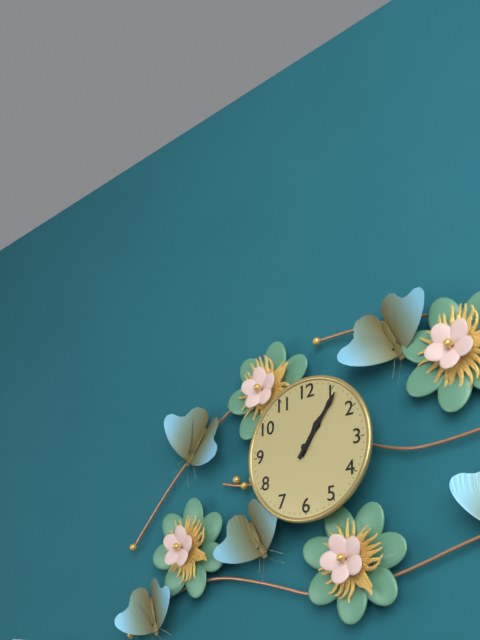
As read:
1:06
